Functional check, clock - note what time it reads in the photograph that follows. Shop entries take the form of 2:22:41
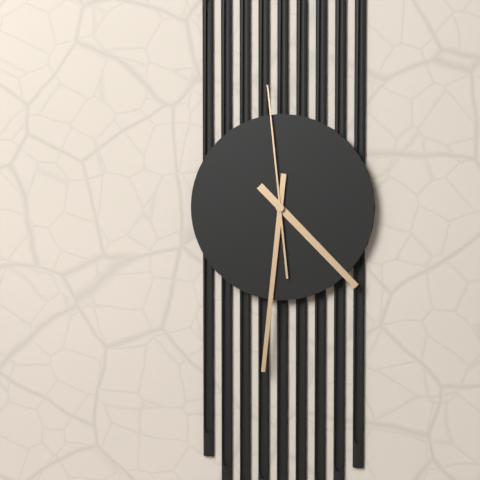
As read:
4:31:59
